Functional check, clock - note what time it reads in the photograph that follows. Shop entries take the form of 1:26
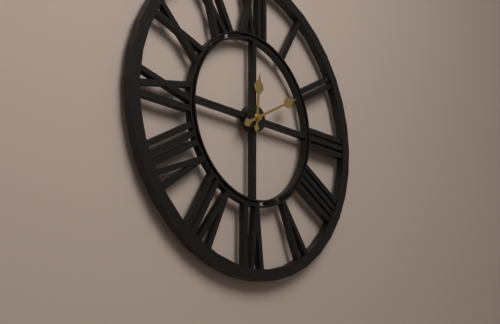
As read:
12:10
